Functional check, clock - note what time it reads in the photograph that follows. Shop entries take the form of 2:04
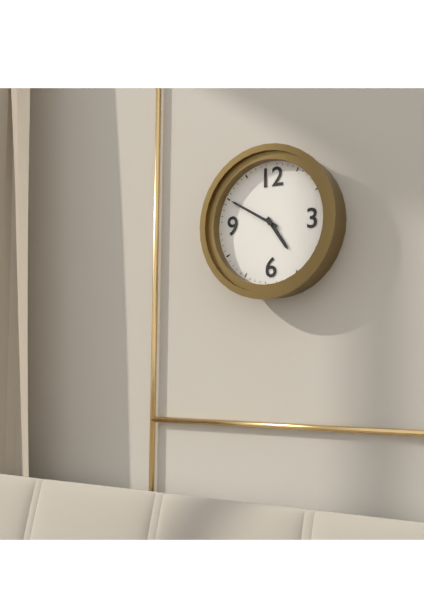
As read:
4:50
